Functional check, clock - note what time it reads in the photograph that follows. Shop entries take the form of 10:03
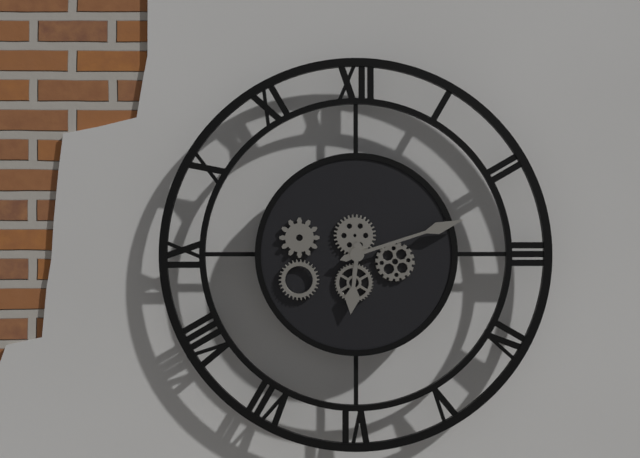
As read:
6:12
